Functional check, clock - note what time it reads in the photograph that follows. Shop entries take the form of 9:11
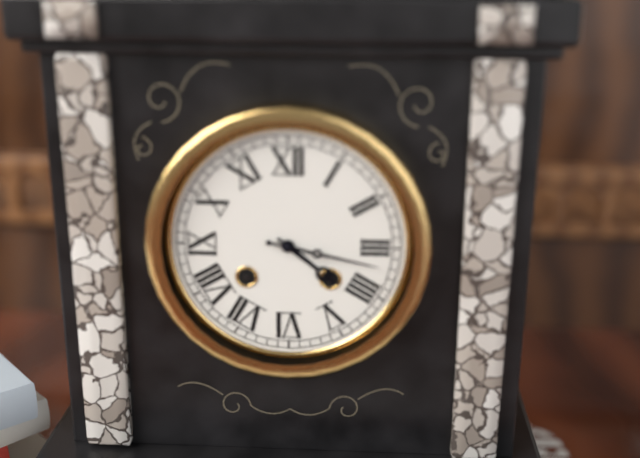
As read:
4:17
